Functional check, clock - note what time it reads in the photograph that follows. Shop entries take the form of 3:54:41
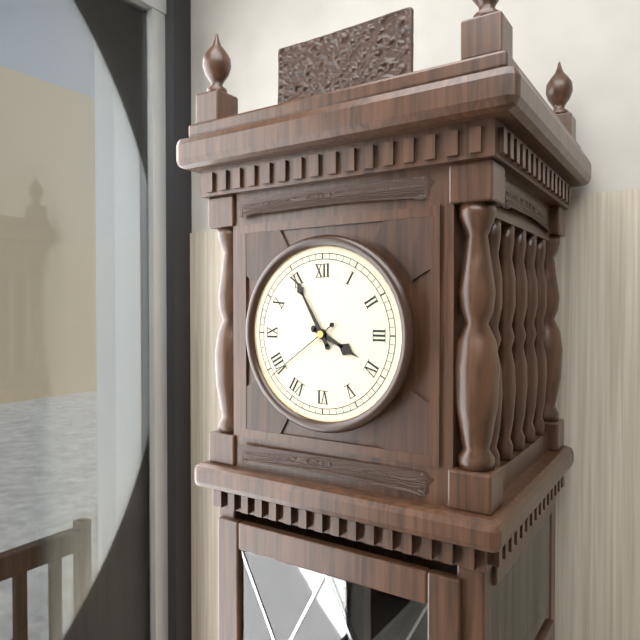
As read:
3:55:39
